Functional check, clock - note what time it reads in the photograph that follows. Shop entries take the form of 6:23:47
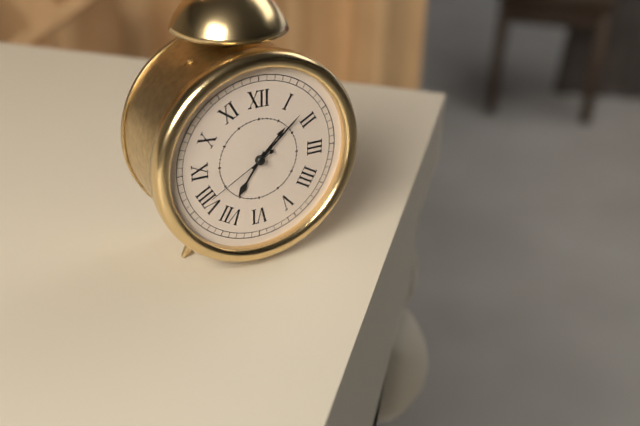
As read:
7:08:40
